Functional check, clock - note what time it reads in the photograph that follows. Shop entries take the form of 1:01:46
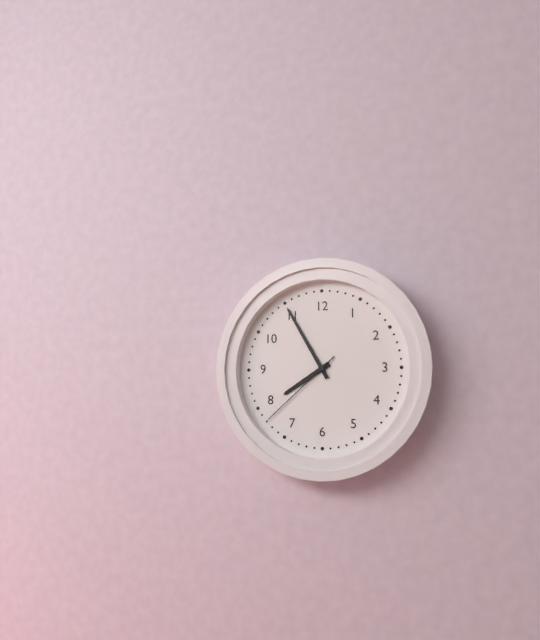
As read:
7:55:38
